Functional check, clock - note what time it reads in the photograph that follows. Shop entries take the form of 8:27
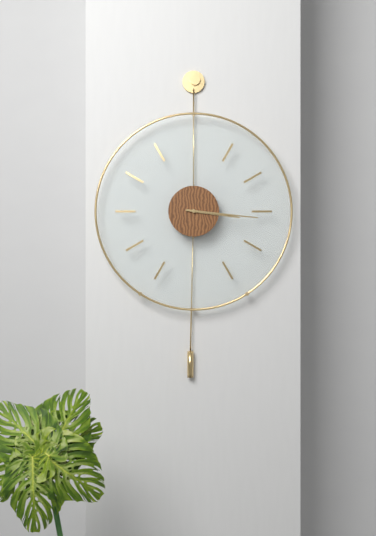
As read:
3:16
